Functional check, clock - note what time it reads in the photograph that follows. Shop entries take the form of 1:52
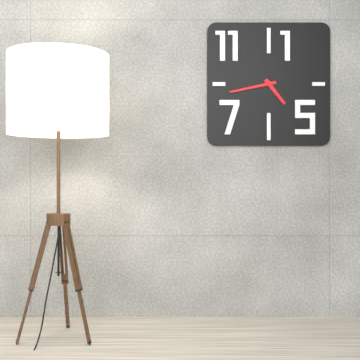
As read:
4:43
